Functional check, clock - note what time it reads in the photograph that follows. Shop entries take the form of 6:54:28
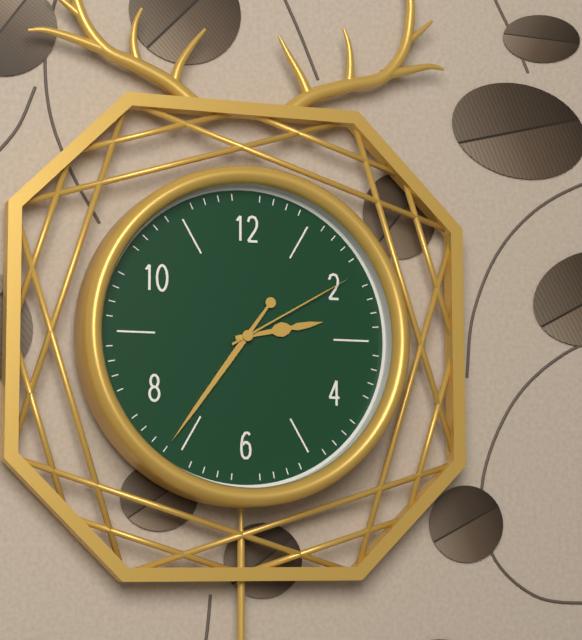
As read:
2:36:10
